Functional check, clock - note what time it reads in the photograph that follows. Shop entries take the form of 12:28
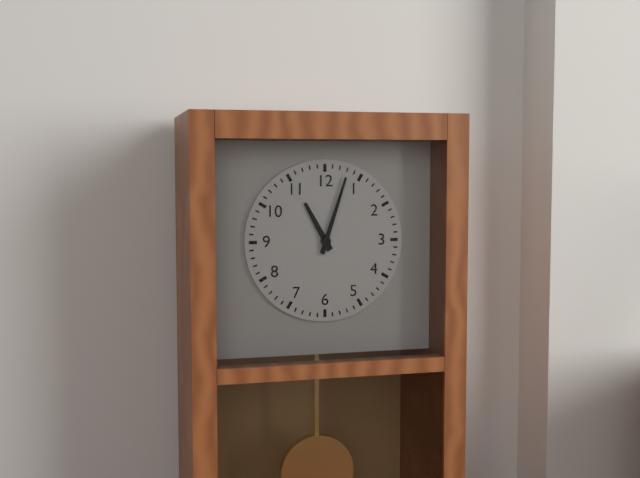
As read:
11:03
